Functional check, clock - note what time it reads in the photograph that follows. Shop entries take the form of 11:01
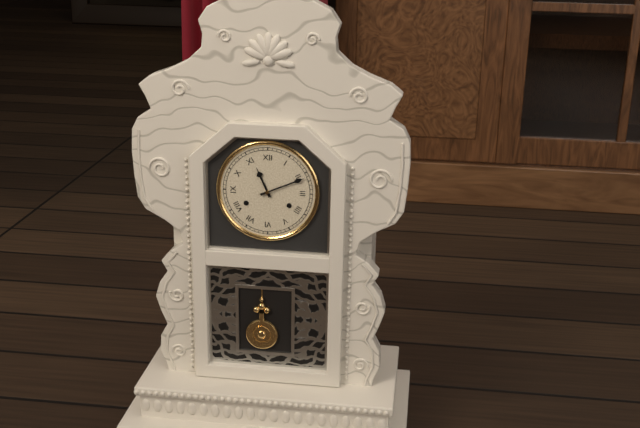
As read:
11:11
